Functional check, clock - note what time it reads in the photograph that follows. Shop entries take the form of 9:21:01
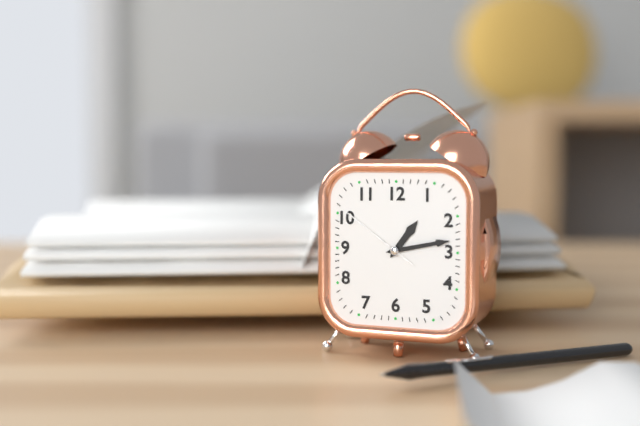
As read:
1:13:51
